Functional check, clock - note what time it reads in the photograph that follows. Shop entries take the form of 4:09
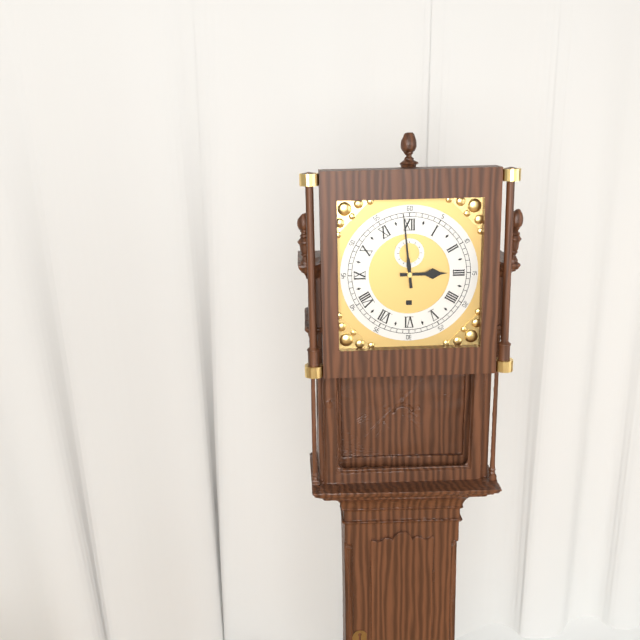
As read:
2:59
